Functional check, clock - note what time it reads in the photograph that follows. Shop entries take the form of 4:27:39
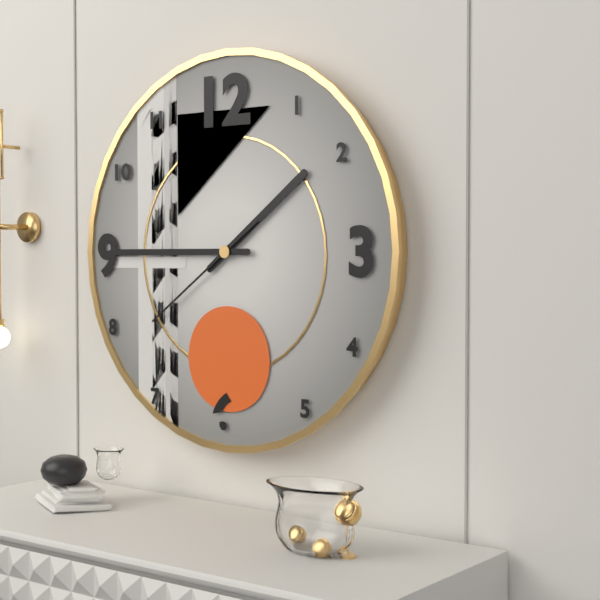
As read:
1:45:39
